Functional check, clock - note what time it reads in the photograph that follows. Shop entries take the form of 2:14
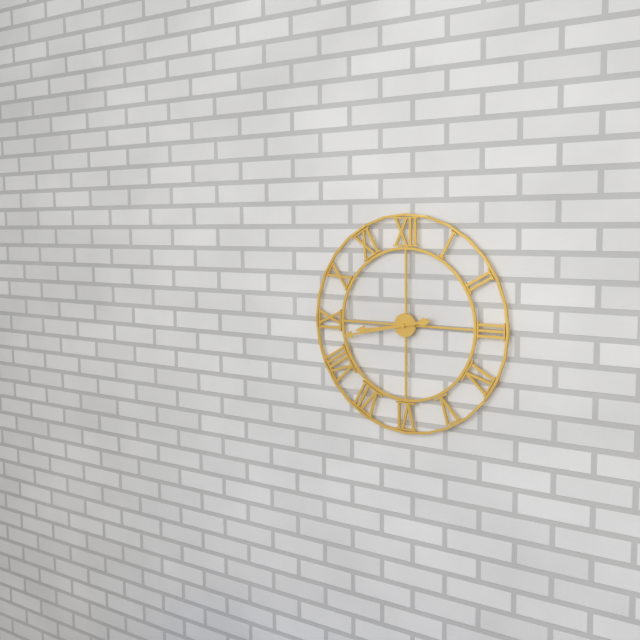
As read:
8:43
